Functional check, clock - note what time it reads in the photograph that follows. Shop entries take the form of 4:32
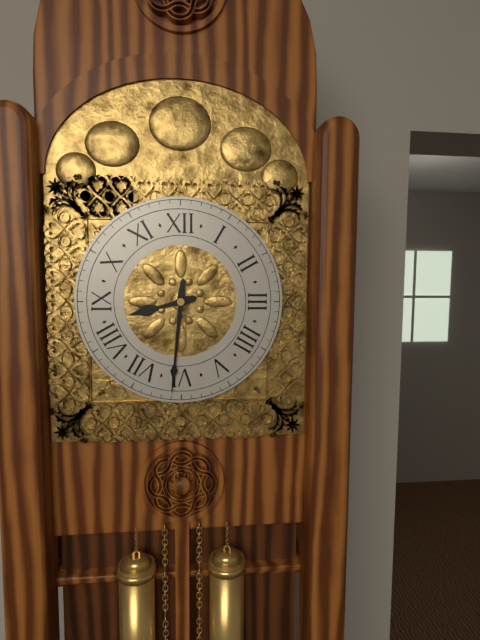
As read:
8:31
